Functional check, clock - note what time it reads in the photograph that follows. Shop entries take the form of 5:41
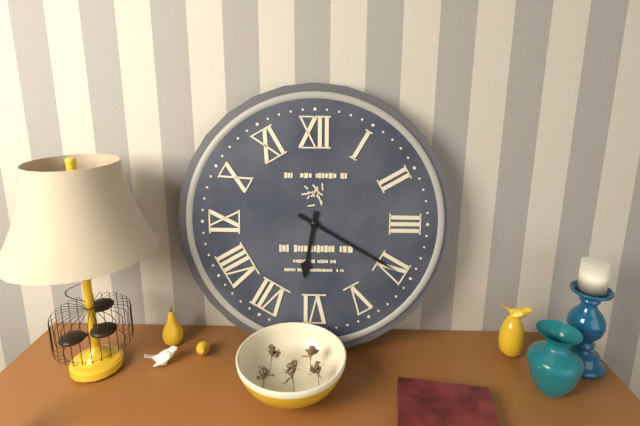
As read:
6:20
